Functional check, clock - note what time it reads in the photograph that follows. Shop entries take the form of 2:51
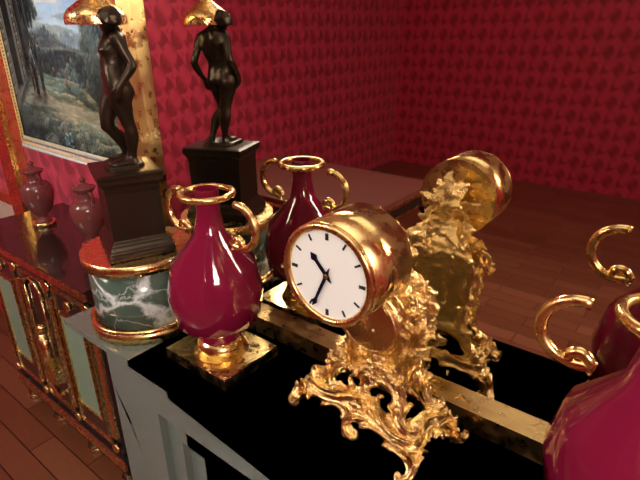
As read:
10:34
